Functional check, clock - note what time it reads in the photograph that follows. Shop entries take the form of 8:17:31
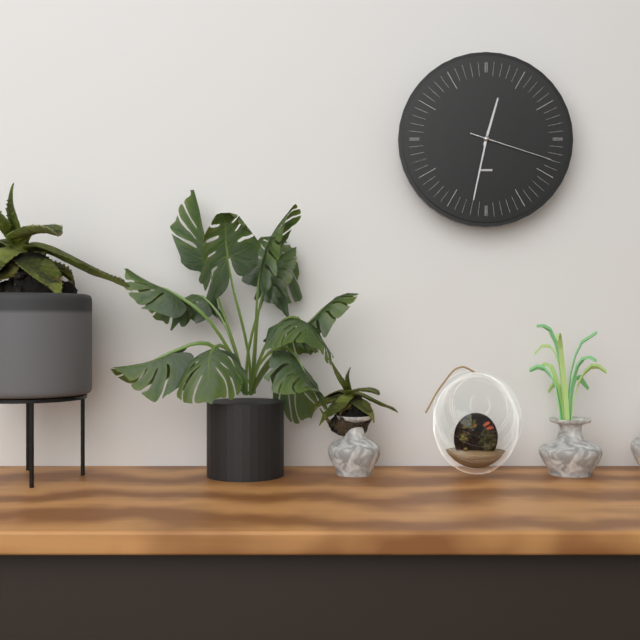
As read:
12:32:18
